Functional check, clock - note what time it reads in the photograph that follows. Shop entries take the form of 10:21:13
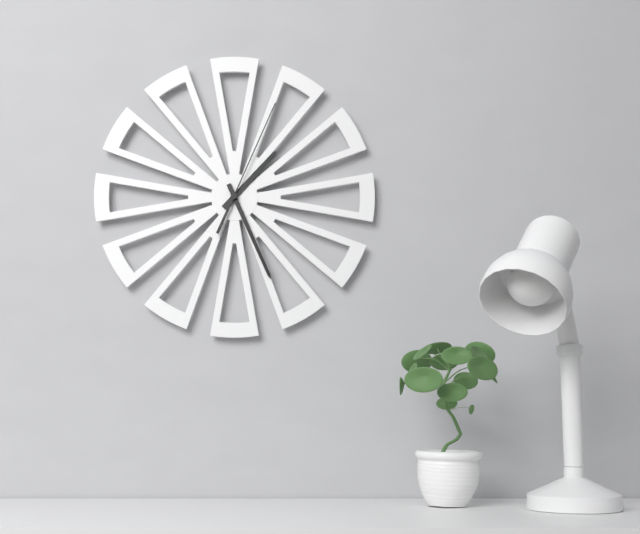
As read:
1:26:04
